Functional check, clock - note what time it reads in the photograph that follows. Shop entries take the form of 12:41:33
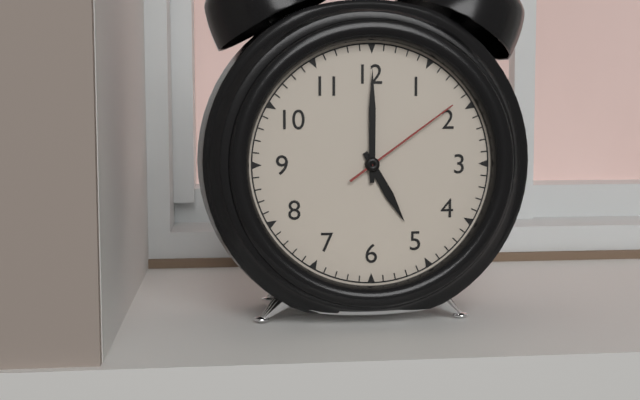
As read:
5:00:09
